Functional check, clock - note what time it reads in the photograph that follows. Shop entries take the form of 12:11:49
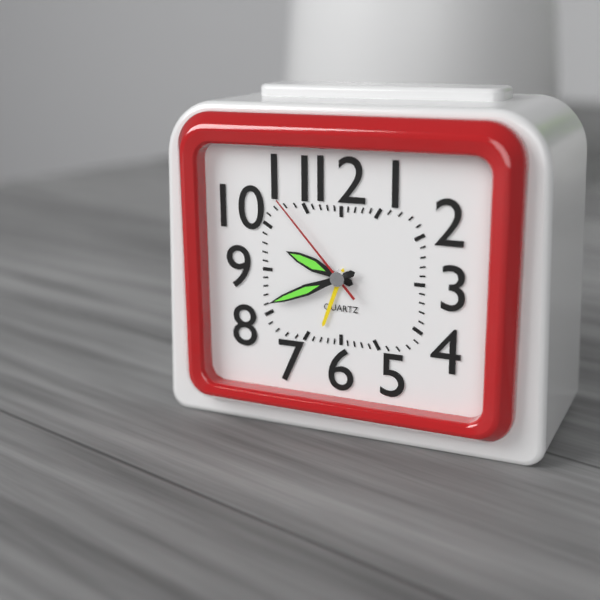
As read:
9:41:53
